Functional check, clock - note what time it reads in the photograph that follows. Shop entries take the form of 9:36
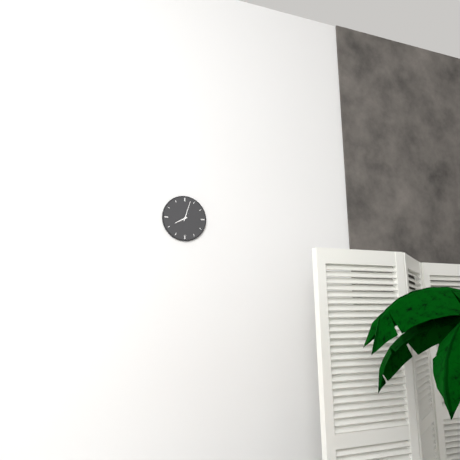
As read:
8:03
